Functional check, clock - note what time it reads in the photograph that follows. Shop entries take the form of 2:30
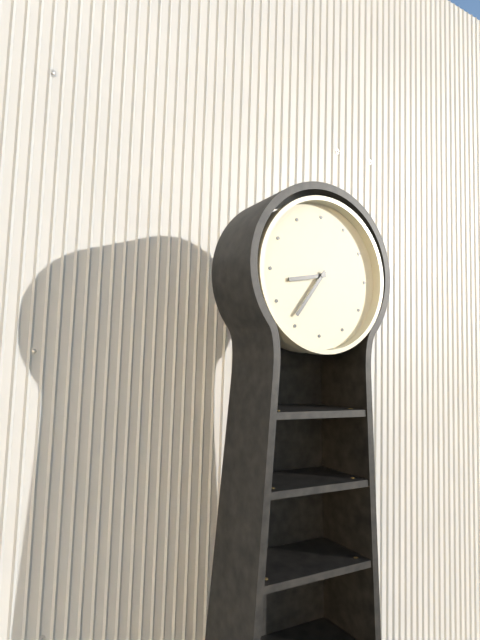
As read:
8:36
